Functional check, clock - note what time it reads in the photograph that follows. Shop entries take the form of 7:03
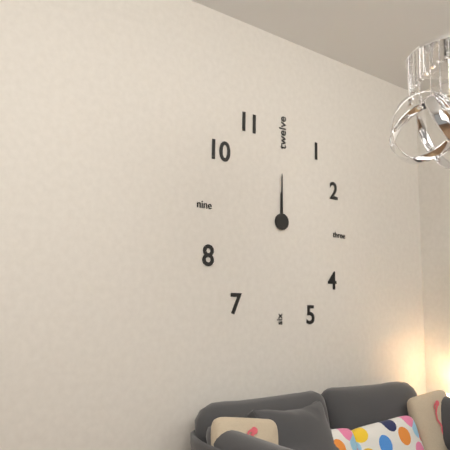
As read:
12:00
